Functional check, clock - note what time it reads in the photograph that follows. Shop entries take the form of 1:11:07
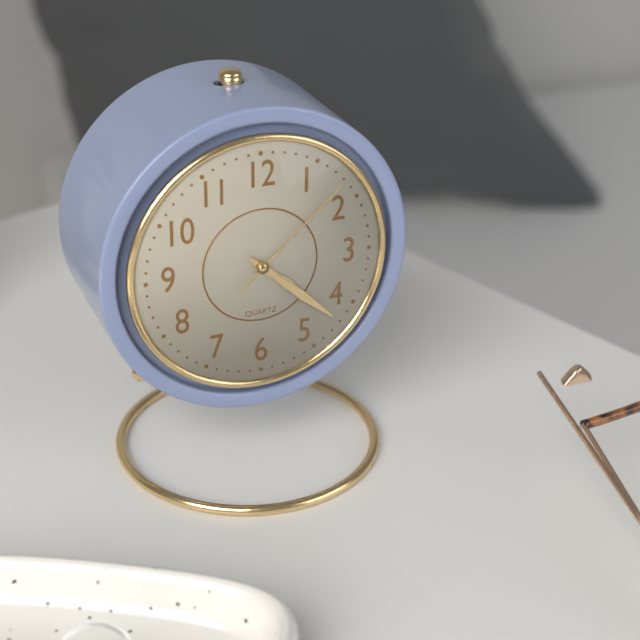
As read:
4:22:08
